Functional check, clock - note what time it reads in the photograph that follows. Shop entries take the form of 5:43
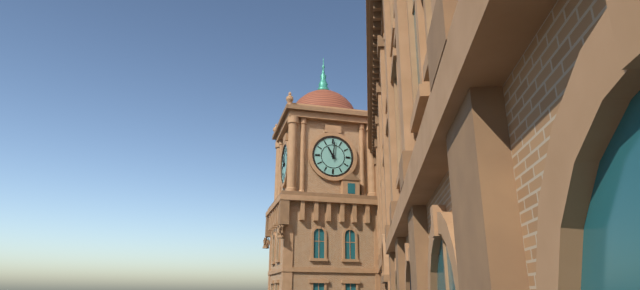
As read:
11:01
